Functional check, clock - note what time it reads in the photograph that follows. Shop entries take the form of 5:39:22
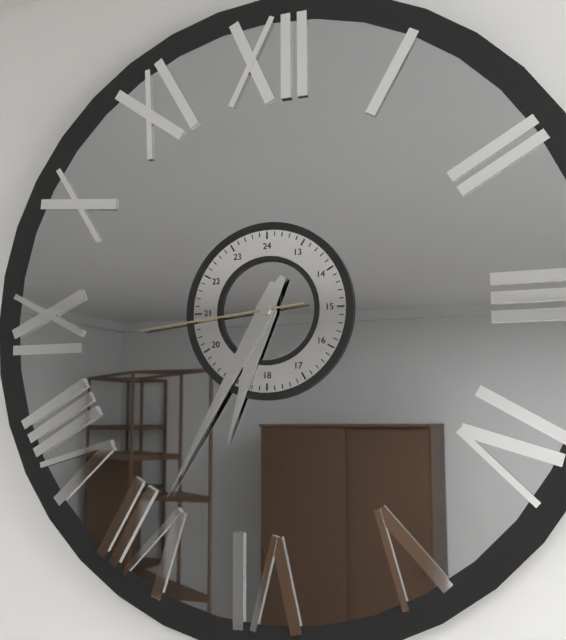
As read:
6:35:44
